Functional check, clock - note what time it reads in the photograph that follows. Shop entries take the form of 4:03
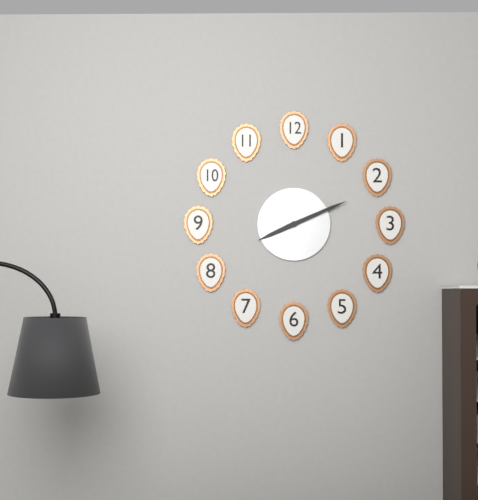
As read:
8:11
